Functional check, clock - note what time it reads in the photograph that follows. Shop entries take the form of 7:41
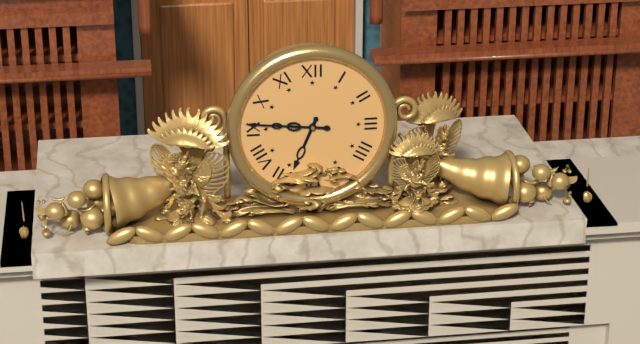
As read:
6:46
